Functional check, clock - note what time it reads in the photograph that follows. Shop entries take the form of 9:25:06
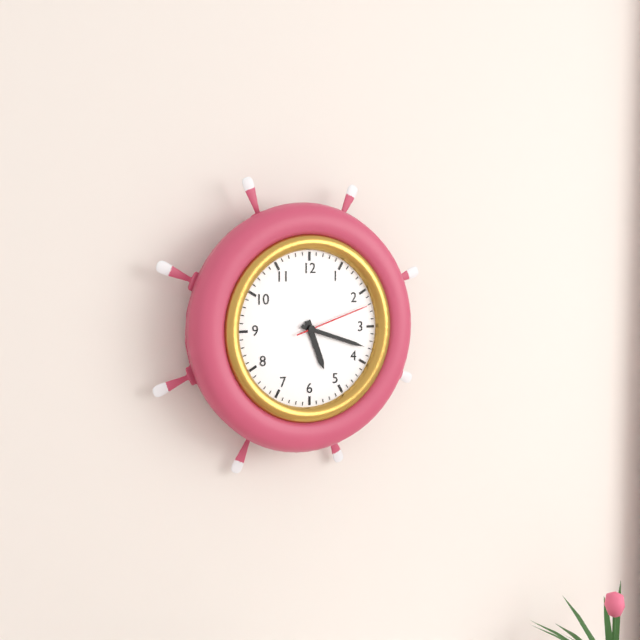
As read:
5:18:12
